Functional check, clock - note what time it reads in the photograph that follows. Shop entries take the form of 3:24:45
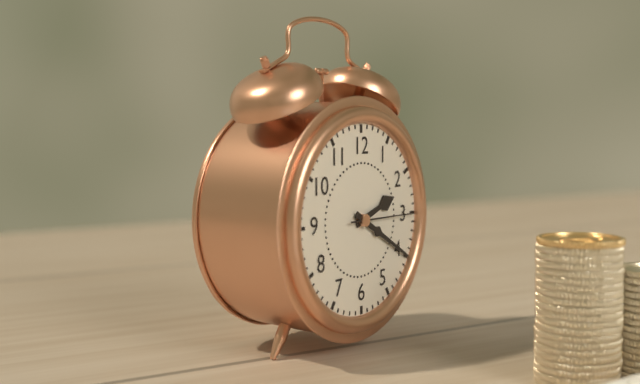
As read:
2:20:15
